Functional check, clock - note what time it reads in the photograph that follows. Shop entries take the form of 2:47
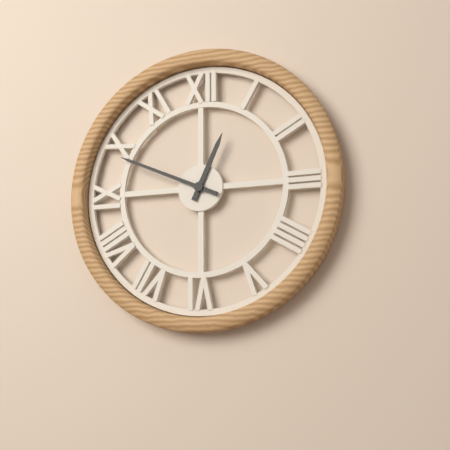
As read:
12:49
